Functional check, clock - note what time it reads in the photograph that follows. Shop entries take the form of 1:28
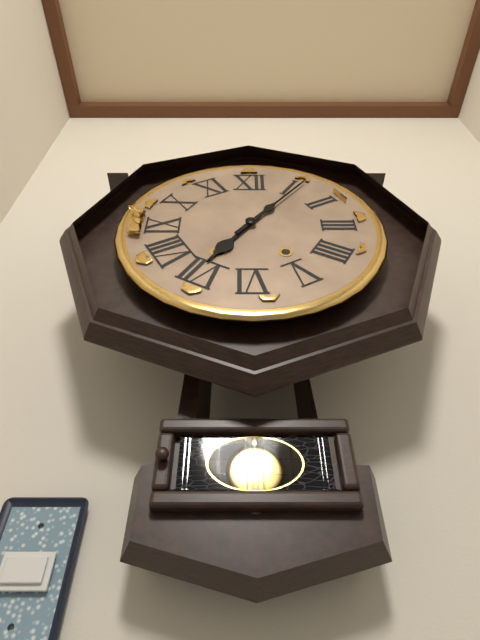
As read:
7:06
